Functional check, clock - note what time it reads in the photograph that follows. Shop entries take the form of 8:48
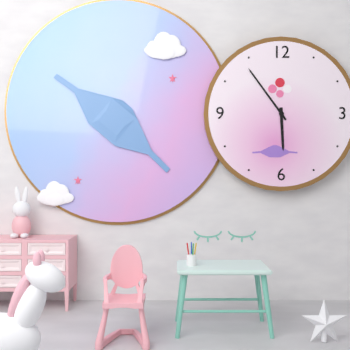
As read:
5:54
